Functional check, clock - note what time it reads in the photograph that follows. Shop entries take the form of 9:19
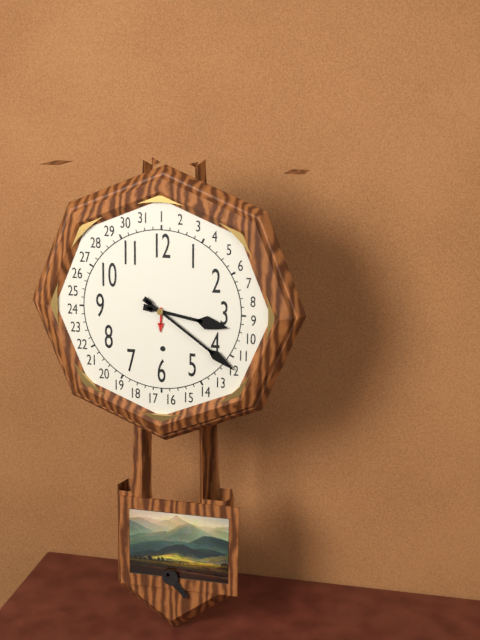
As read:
3:21
